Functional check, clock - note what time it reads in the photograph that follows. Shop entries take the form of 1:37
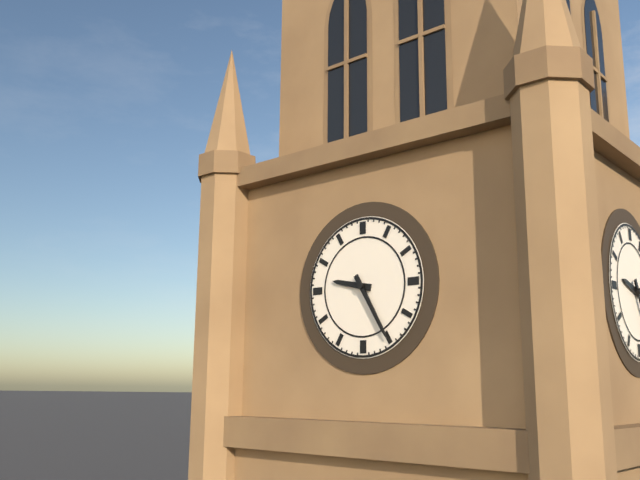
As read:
9:25
